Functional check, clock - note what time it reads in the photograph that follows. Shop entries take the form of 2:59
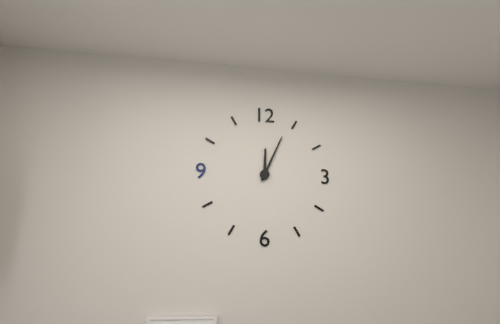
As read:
12:04
